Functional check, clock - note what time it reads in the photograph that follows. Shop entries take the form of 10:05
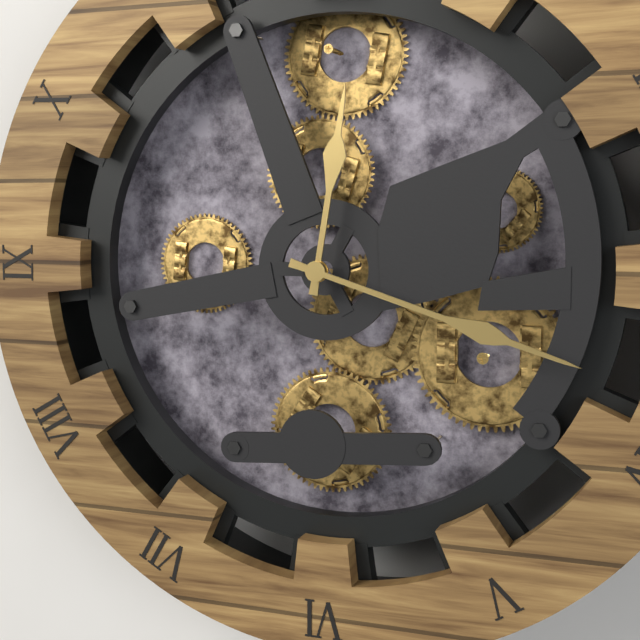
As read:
12:18
